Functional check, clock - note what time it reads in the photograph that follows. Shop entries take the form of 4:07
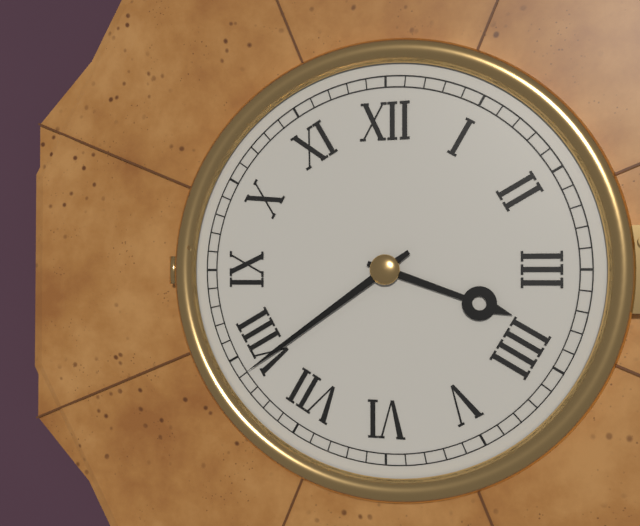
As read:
3:39
